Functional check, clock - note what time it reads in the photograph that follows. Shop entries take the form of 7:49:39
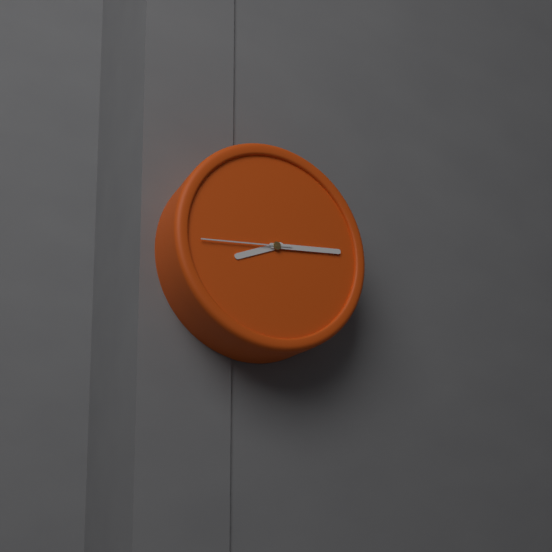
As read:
8:14:44
